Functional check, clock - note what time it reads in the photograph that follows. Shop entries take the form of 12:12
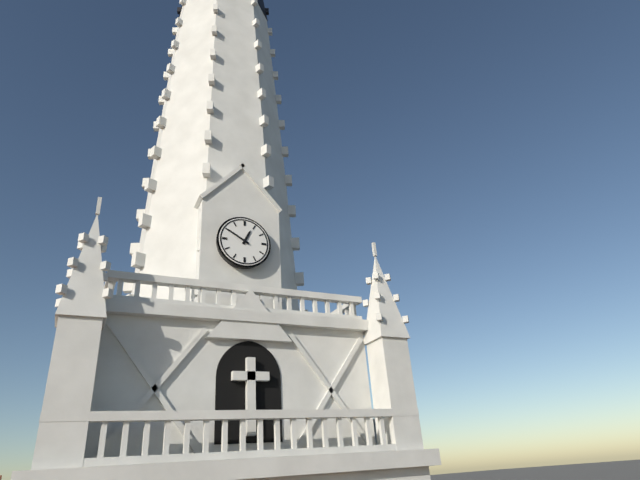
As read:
12:50
